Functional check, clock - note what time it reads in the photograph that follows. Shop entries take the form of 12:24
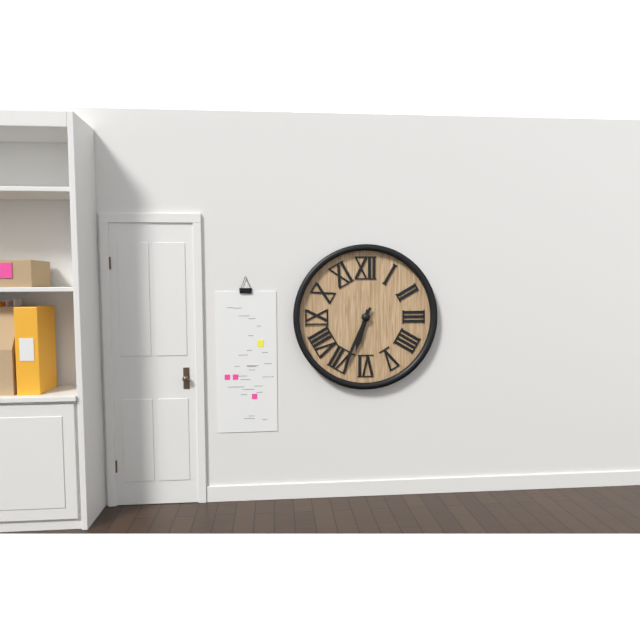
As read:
6:34
